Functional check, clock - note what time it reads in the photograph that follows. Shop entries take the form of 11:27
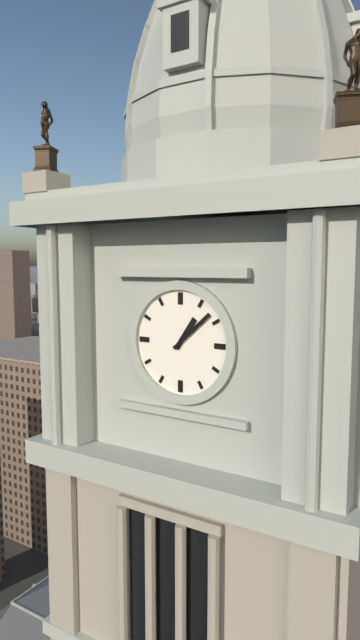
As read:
1:08
